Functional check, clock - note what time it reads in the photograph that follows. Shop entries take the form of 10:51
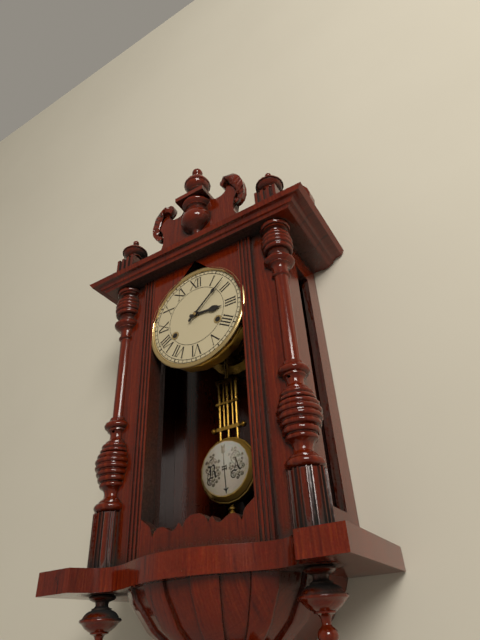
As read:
3:08
